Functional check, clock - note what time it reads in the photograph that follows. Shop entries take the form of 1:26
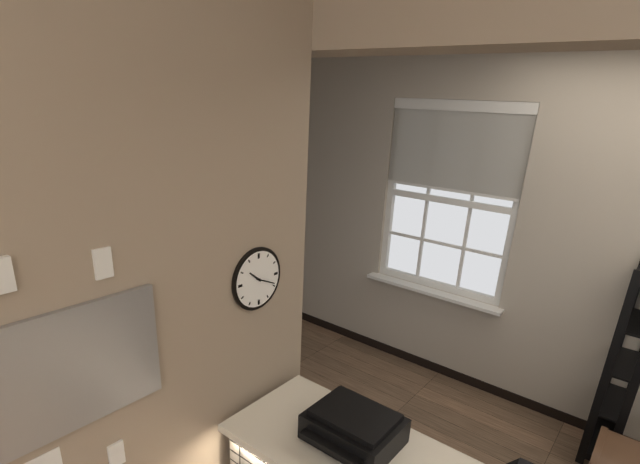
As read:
10:19
